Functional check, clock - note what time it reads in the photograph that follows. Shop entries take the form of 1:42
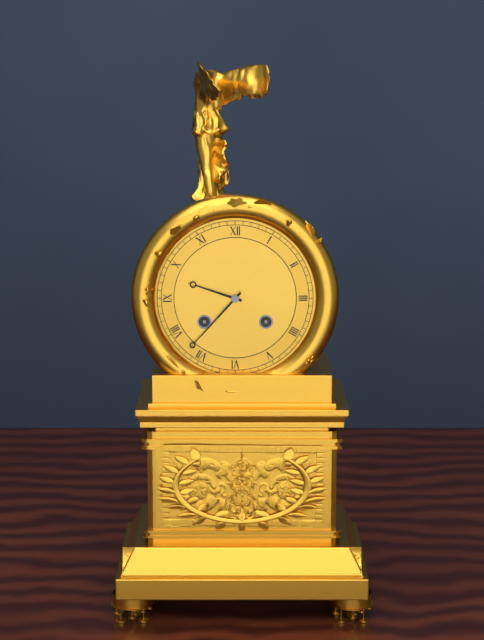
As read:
9:37
